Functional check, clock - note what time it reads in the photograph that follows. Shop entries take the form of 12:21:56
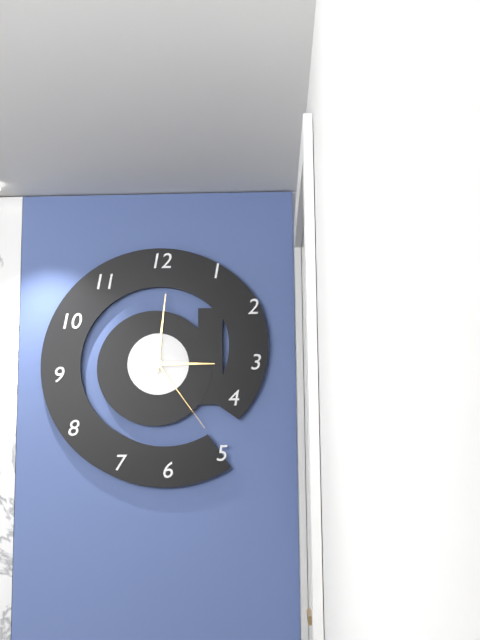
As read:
3:01:24
